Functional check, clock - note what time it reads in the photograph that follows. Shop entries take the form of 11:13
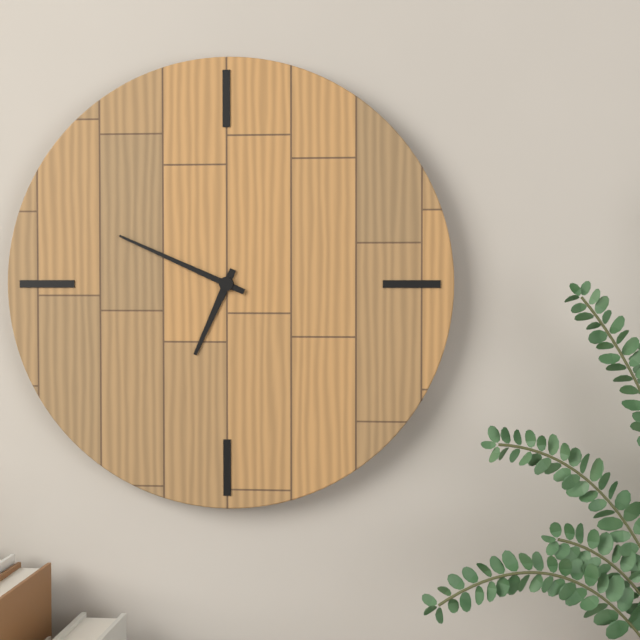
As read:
6:49
